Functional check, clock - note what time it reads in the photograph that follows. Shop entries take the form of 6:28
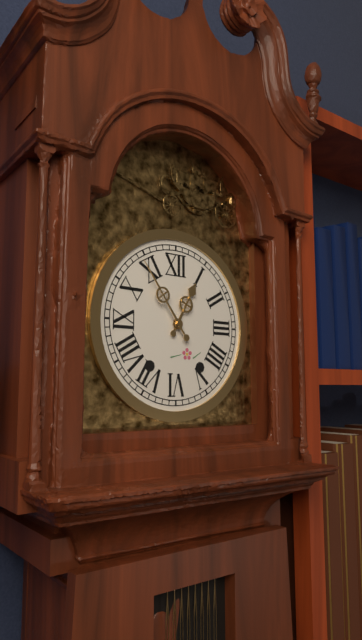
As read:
12:54
